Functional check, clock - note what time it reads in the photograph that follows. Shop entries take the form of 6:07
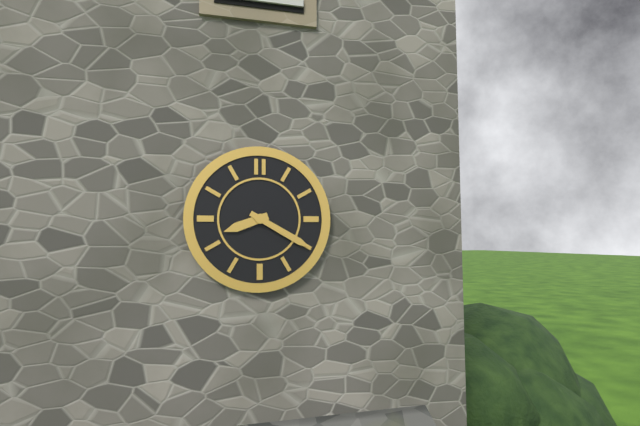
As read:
8:20
